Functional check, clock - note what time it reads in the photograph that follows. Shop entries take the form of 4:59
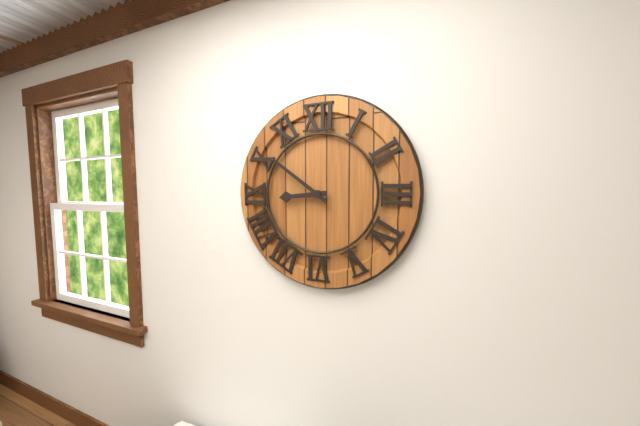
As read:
8:51
